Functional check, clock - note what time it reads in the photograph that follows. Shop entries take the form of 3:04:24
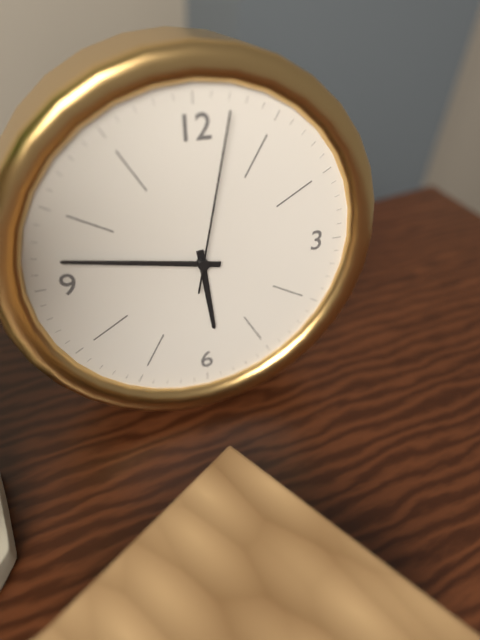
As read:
5:47:02
